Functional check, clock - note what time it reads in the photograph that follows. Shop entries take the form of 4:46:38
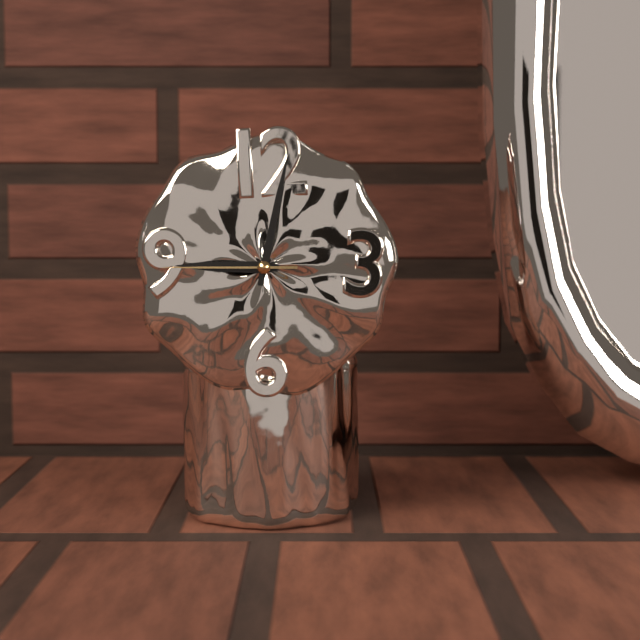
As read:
9:02:45
